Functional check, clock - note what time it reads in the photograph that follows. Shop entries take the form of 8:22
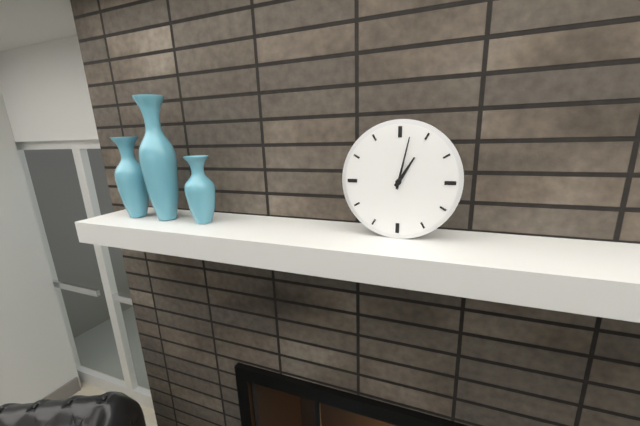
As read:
1:02
